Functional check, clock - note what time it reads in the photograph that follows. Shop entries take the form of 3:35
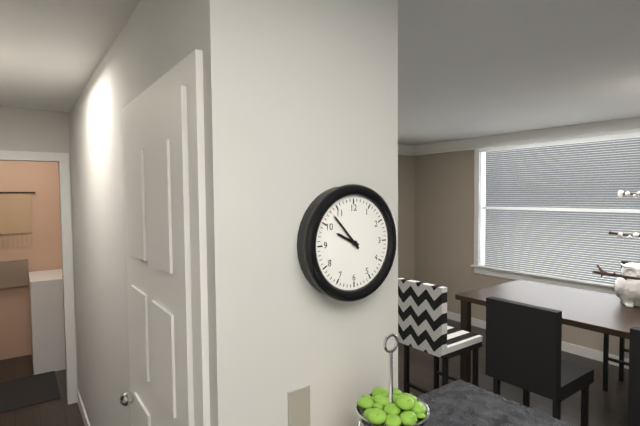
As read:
9:53
